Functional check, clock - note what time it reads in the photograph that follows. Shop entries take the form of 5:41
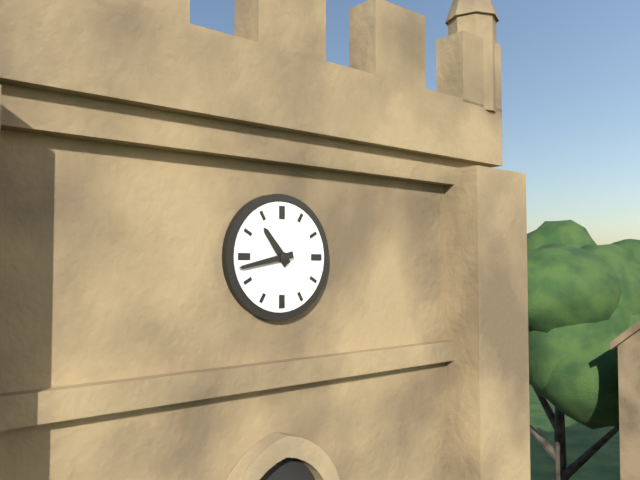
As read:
10:43
